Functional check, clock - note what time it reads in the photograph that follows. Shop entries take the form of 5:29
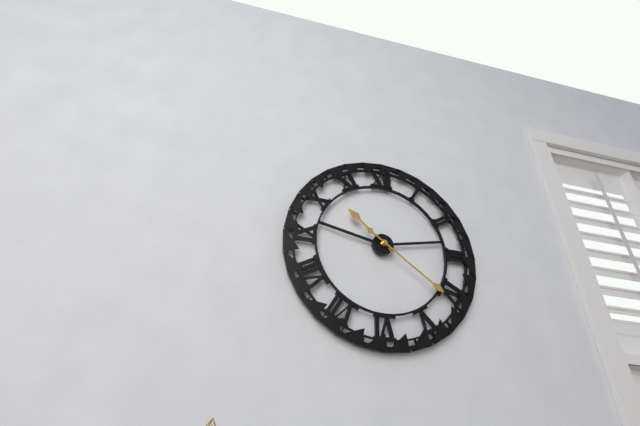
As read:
10:21
